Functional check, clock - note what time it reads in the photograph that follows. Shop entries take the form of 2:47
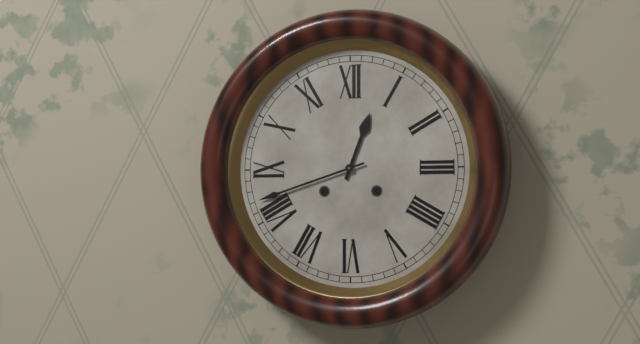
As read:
12:42
